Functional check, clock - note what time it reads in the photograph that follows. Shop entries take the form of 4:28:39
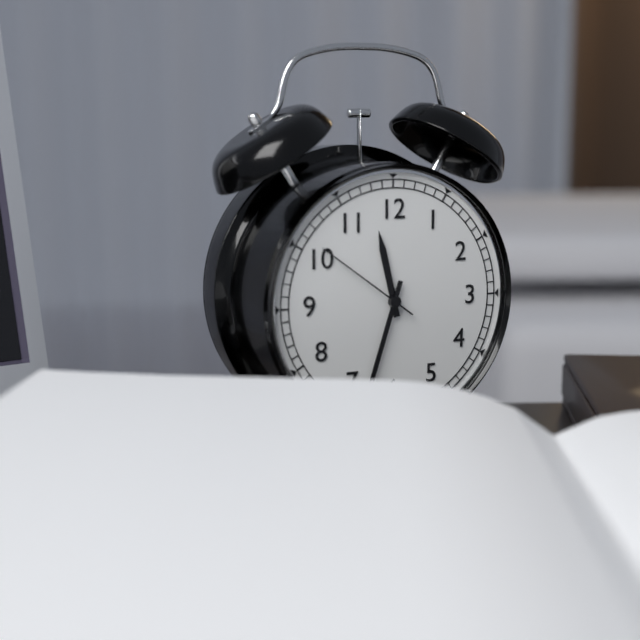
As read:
11:33:51
